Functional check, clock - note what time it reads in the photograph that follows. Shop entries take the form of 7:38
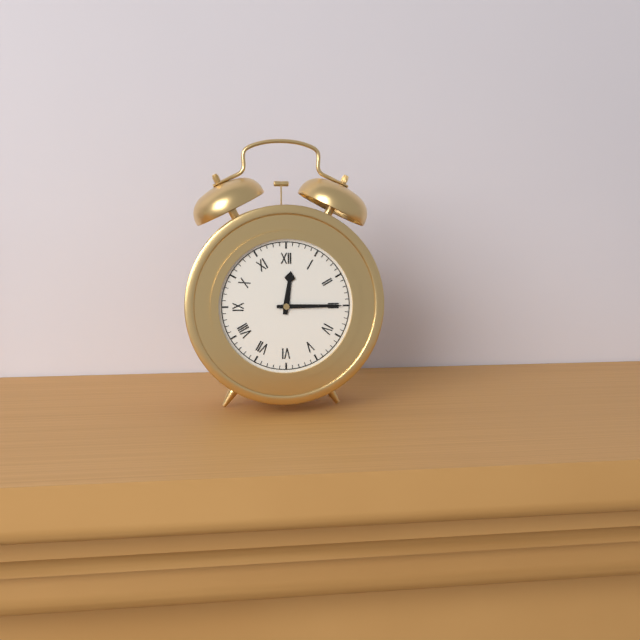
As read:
12:15
